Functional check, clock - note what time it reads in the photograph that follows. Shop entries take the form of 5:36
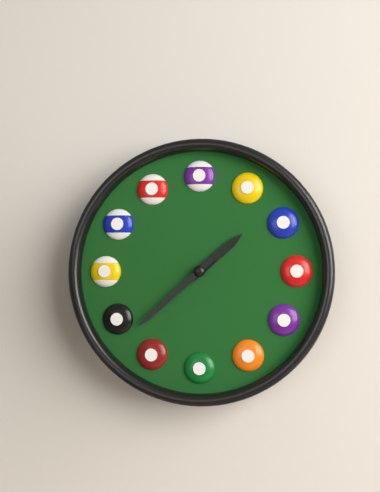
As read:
1:38
